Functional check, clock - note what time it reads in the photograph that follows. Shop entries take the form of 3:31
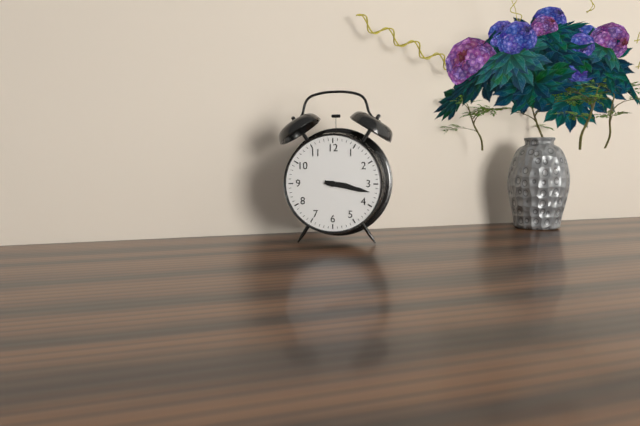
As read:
3:17
